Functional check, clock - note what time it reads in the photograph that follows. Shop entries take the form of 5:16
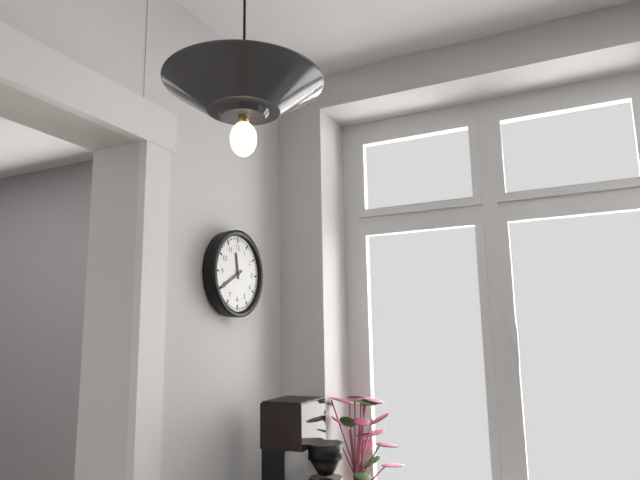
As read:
11:40
